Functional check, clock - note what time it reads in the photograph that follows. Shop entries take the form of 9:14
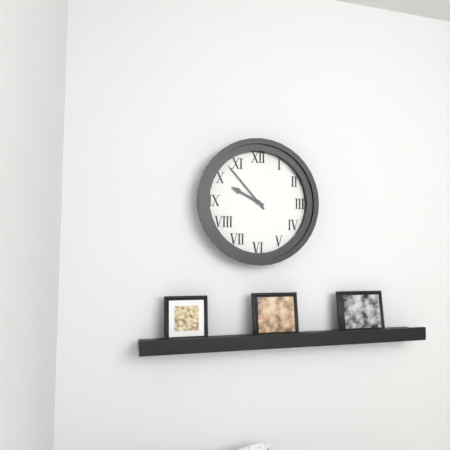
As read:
9:53
